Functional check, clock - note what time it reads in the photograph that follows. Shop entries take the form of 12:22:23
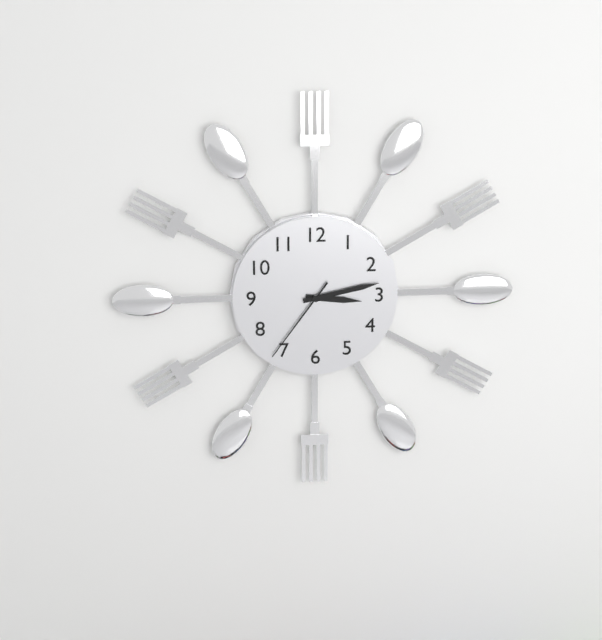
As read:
3:13:36
